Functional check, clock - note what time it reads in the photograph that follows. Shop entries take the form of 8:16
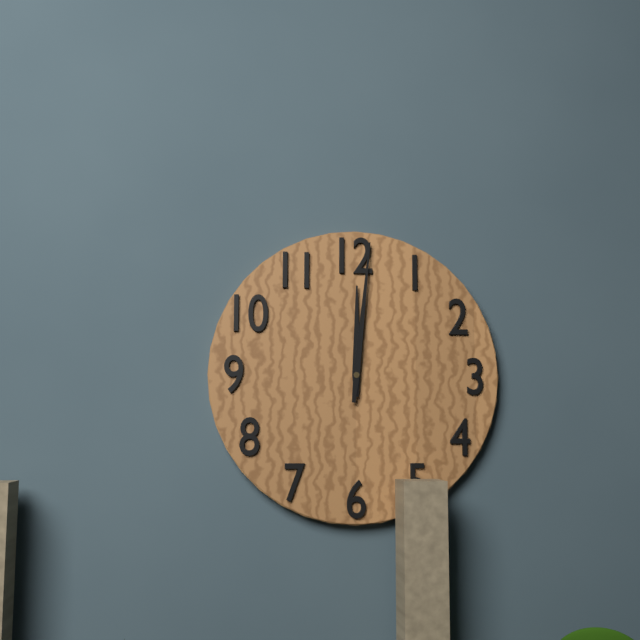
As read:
12:01
